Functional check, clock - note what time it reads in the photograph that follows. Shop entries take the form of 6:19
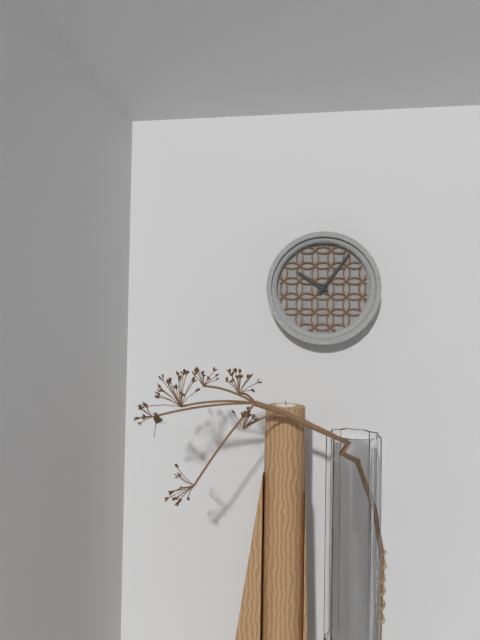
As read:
10:06
